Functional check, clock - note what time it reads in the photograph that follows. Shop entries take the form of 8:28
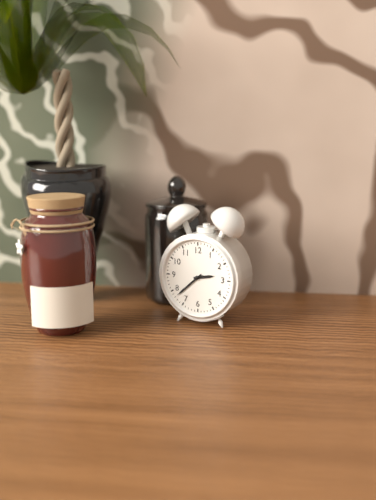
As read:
2:38
